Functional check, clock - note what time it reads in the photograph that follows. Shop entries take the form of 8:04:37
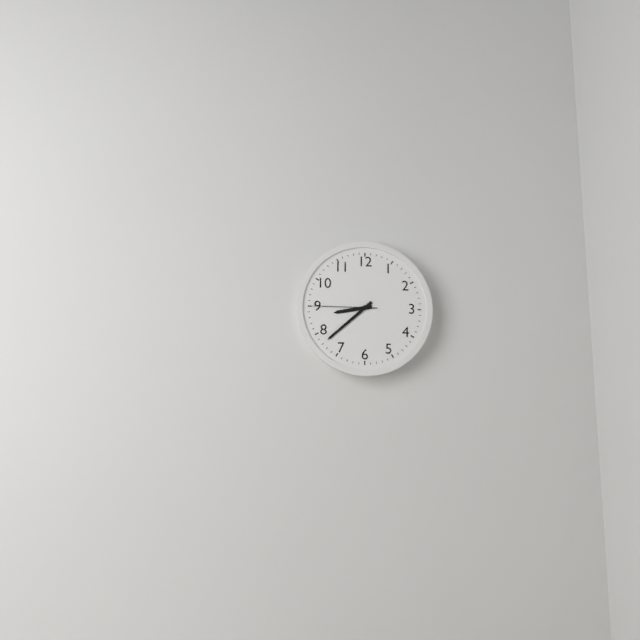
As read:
8:38:45
